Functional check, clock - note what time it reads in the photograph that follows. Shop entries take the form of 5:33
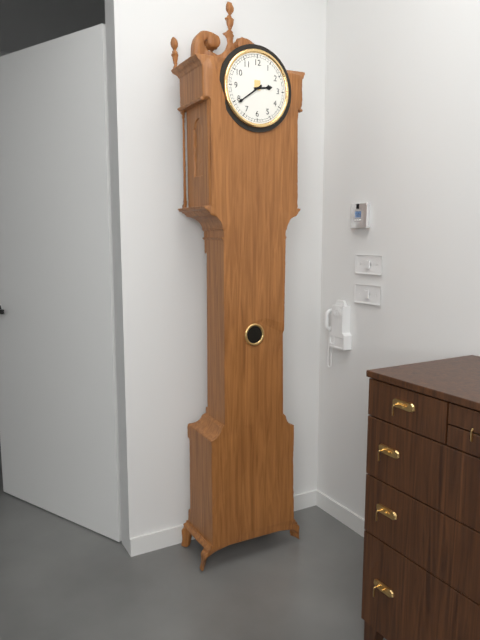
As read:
2:39
